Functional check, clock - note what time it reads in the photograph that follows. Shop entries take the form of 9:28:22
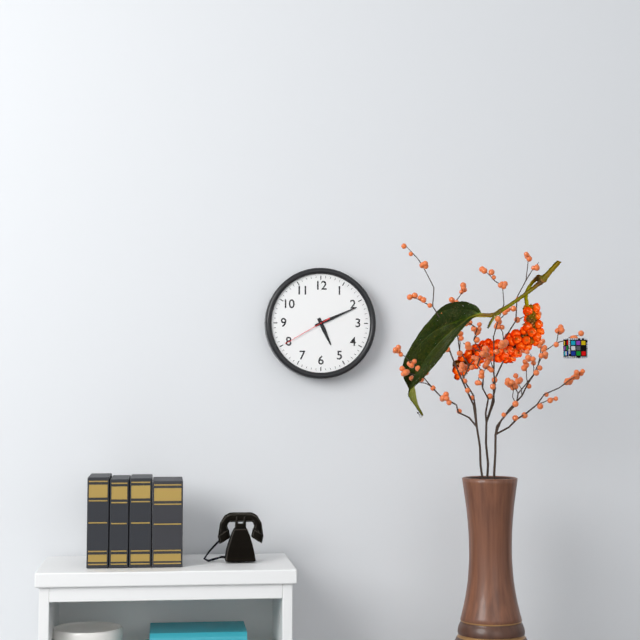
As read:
5:11:40
